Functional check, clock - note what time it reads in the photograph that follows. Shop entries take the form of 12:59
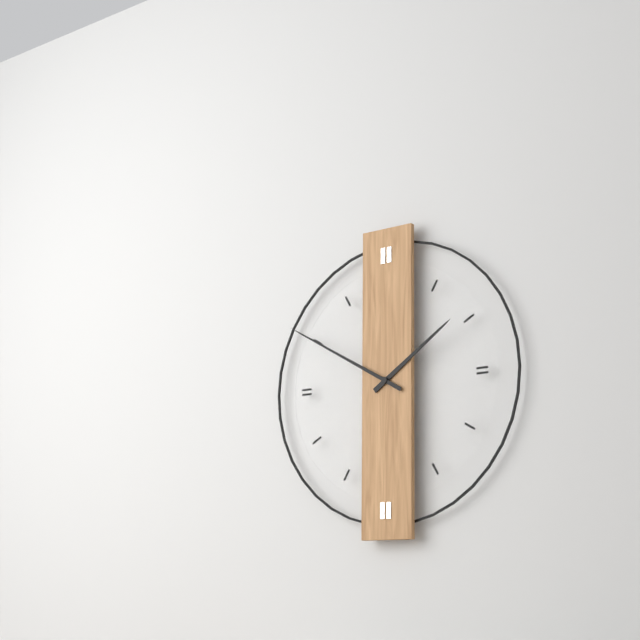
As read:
1:50
